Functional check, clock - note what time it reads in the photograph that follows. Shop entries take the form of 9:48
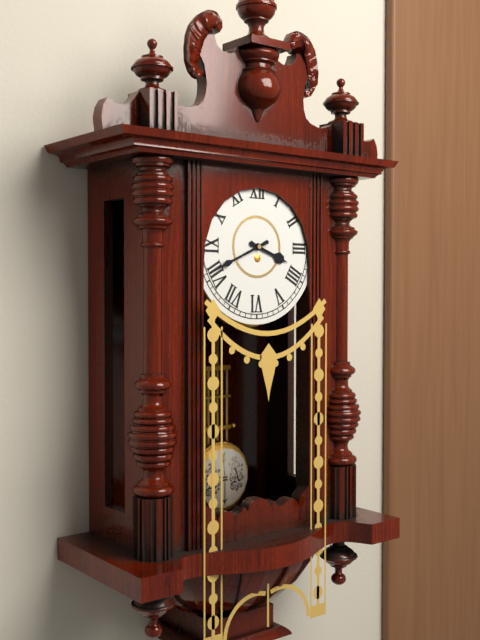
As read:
3:41
